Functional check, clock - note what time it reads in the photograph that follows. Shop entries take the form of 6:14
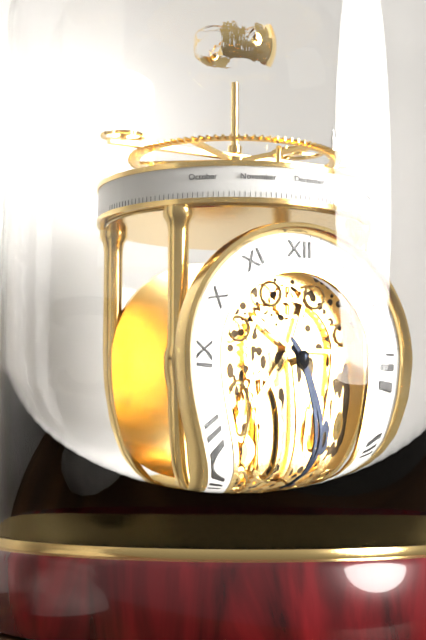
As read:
4:24
